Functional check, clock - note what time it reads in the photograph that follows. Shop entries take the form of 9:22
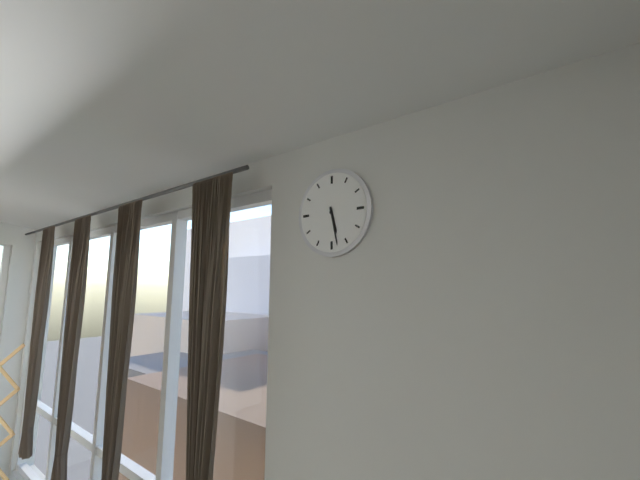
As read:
5:28
